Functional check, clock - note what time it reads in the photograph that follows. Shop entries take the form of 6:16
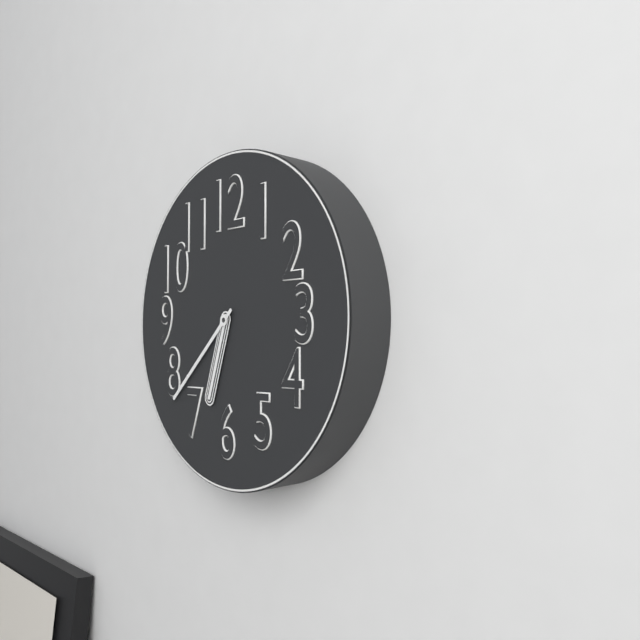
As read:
6:38
